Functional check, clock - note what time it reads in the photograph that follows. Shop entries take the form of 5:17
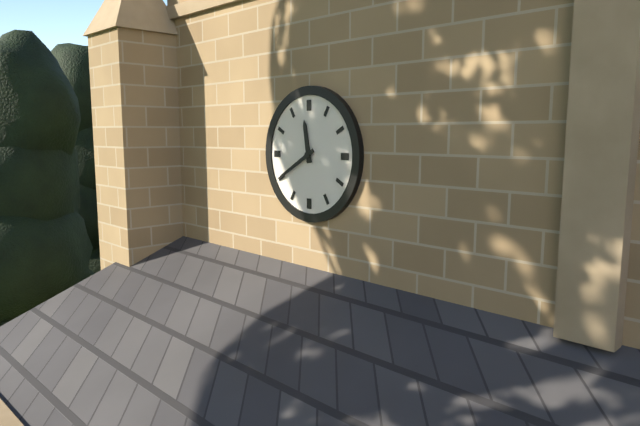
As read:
11:40
